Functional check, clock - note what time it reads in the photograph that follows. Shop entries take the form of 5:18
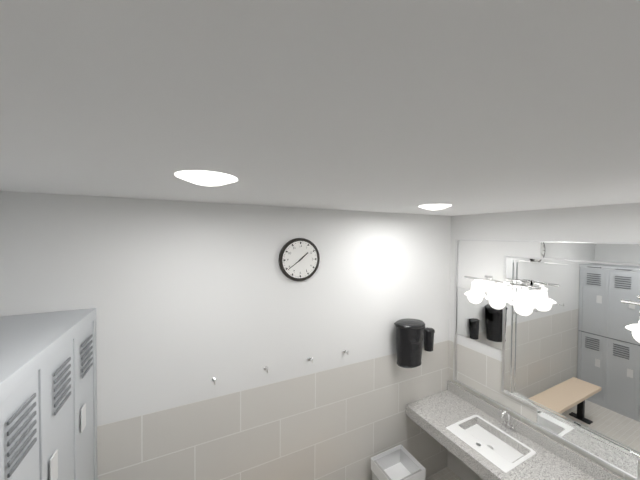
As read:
1:39
